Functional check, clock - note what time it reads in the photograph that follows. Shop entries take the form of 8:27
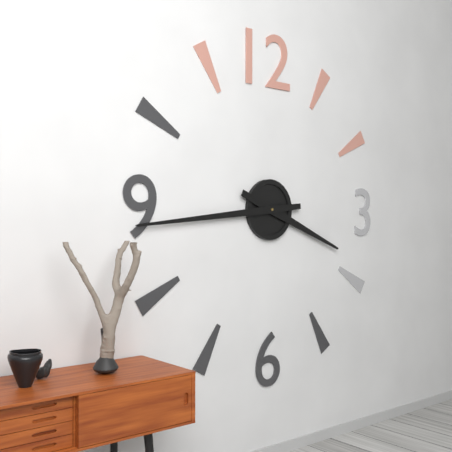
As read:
3:44
